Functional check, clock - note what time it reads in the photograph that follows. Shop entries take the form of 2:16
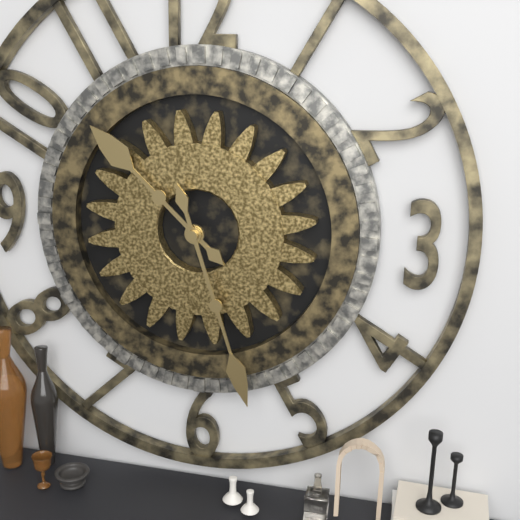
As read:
10:27
